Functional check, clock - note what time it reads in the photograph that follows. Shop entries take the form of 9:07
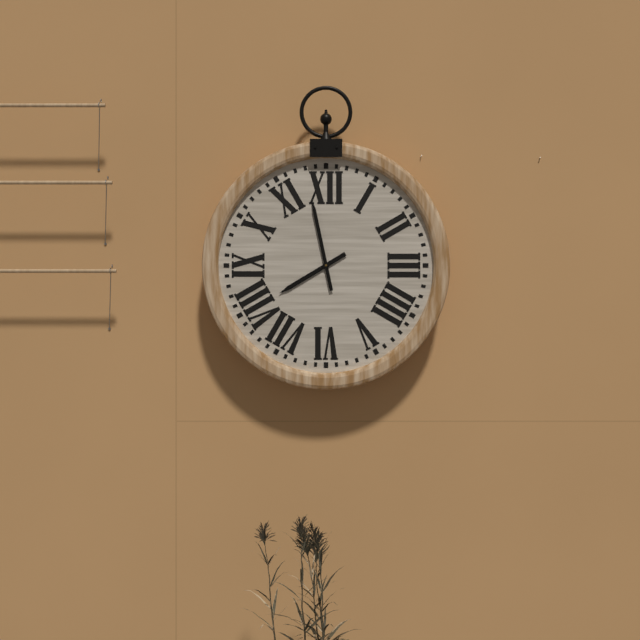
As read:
7:58
